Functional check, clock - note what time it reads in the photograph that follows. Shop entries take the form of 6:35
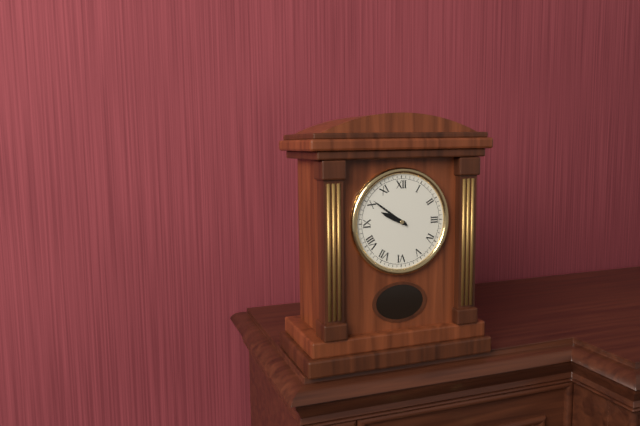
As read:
9:51
